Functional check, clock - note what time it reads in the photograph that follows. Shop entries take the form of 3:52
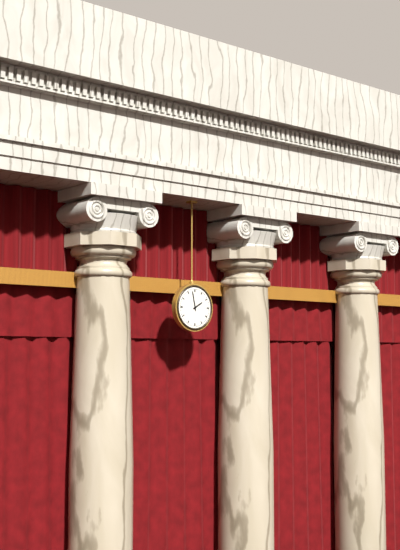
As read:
1:58
